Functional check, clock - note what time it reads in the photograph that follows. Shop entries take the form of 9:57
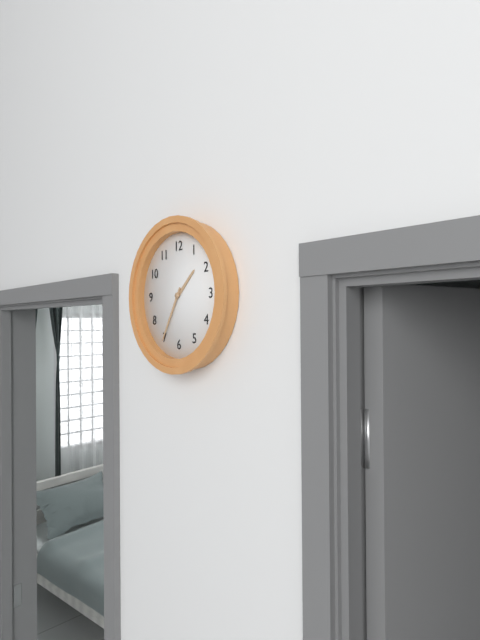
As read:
1:35
